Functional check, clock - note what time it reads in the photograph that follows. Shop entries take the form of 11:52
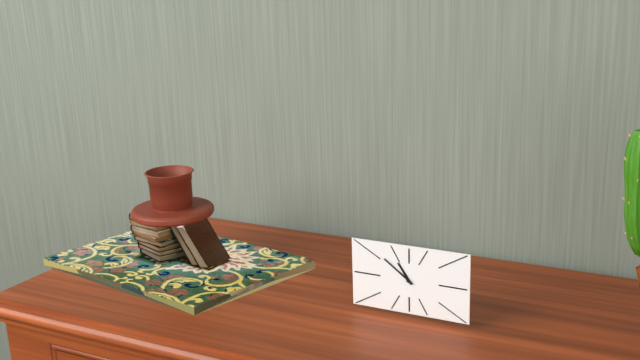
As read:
10:51
